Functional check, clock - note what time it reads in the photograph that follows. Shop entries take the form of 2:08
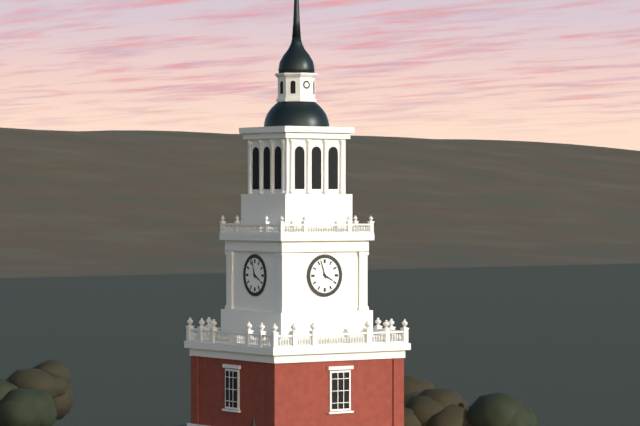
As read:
3:57
